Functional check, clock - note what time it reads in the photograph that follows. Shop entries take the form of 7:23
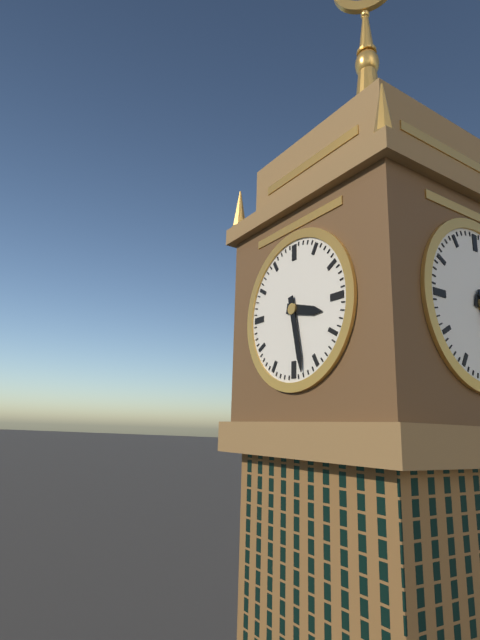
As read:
3:28
